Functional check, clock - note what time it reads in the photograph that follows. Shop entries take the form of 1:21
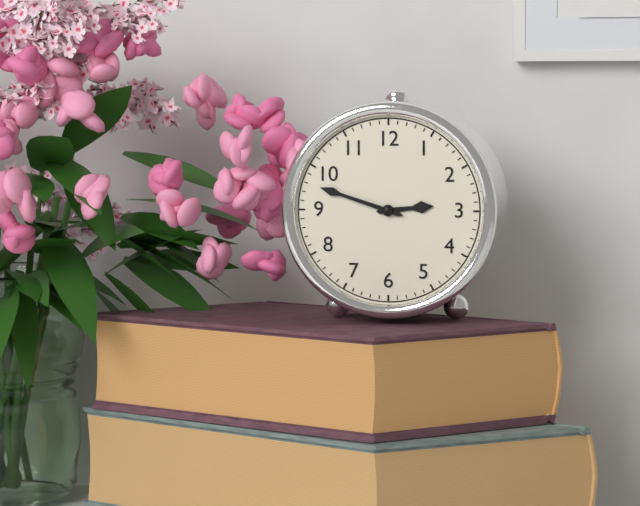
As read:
2:48
